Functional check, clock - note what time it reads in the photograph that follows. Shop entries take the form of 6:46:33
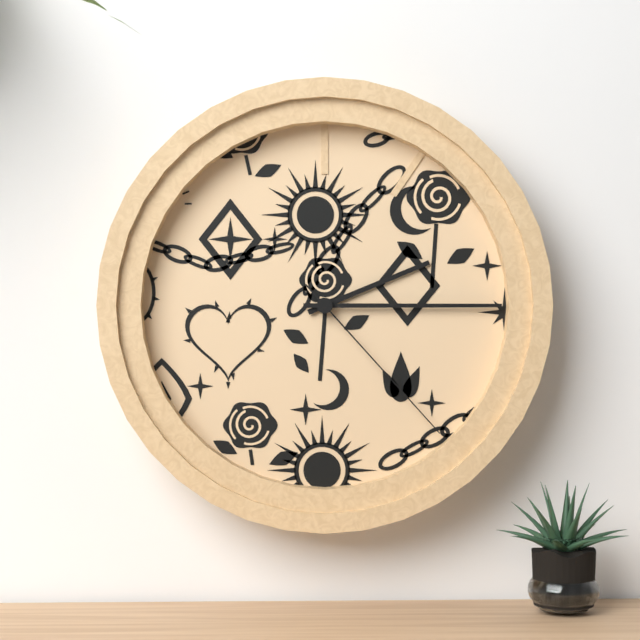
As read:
2:15:23
